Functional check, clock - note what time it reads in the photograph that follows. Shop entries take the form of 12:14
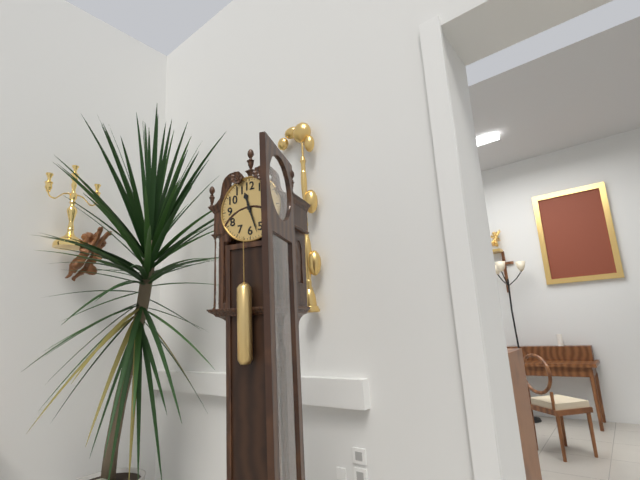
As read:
11:27
